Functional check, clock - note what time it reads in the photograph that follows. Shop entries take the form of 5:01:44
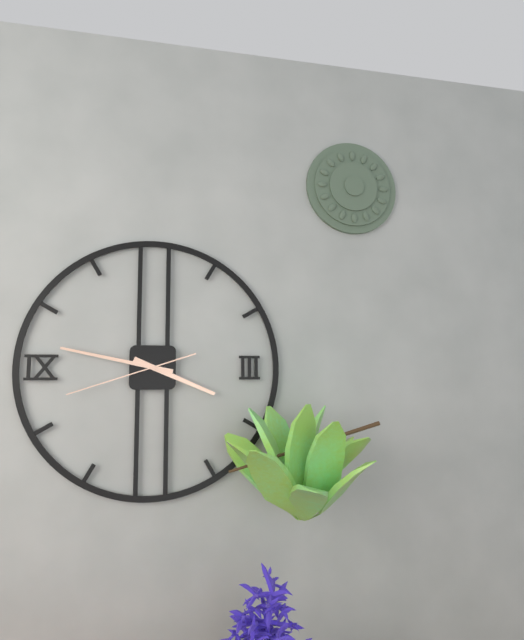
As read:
3:47:42
